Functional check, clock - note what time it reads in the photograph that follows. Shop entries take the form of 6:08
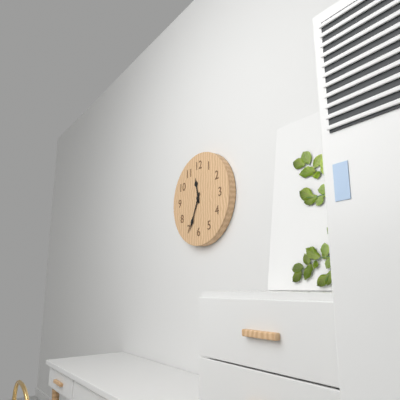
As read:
11:34
